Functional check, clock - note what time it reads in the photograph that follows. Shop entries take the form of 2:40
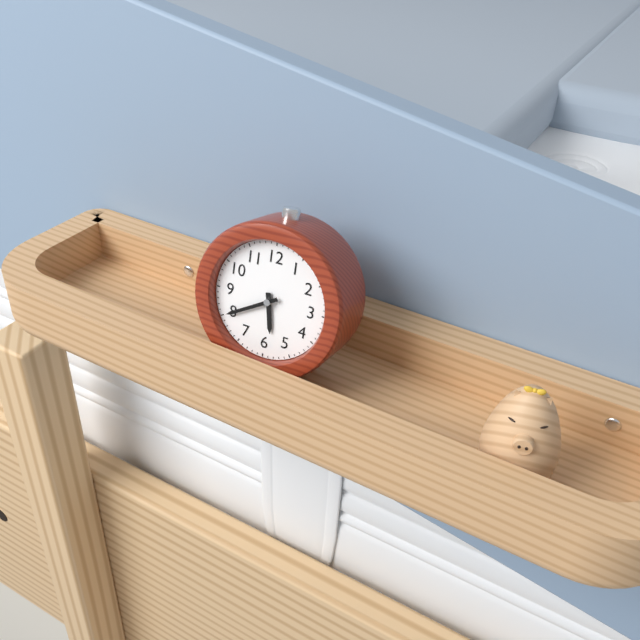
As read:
5:40
